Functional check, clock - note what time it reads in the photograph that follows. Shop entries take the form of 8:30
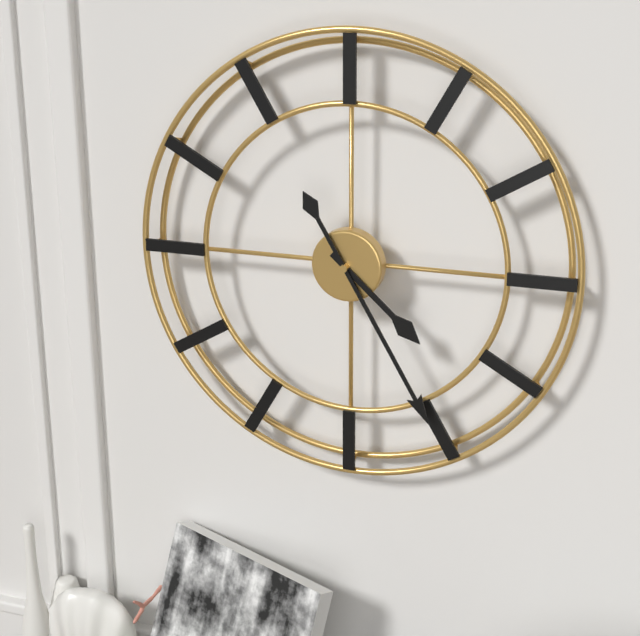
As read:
4:25
